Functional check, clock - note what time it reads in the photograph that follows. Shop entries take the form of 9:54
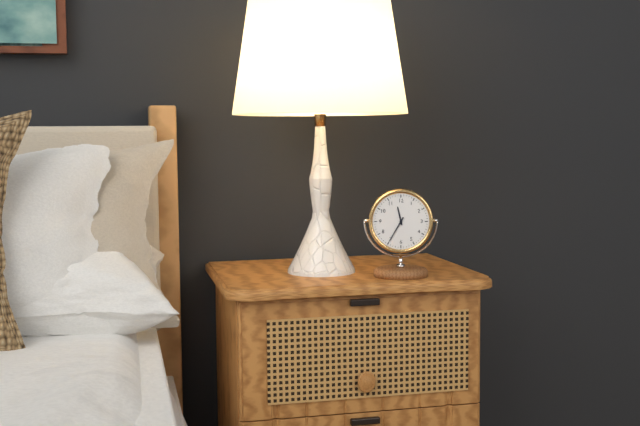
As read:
11:35
